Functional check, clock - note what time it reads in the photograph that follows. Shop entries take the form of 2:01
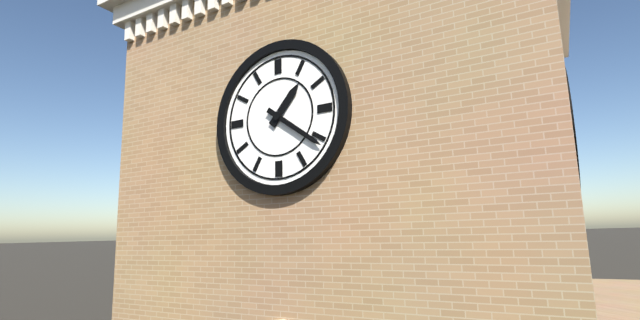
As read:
1:21
